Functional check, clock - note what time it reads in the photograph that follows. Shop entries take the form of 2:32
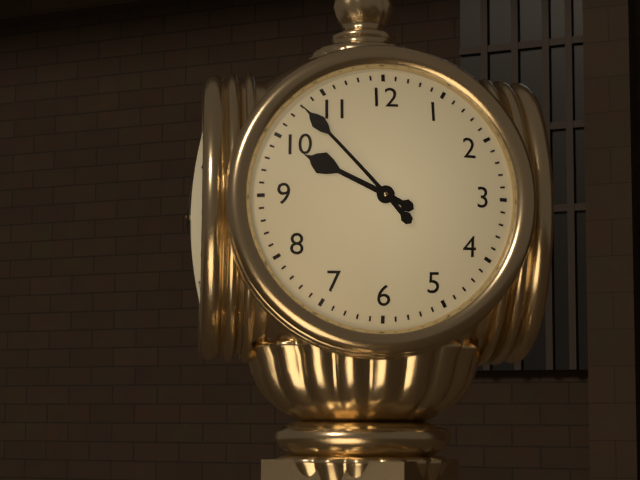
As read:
9:53
